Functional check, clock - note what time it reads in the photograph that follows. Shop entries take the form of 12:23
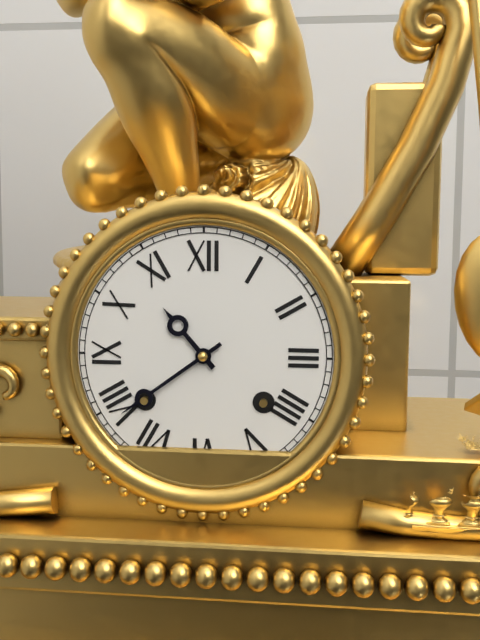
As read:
10:39
